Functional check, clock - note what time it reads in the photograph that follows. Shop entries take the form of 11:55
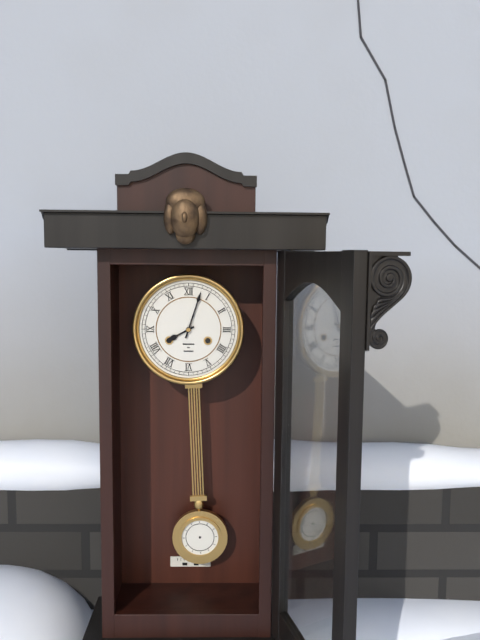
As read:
8:03
